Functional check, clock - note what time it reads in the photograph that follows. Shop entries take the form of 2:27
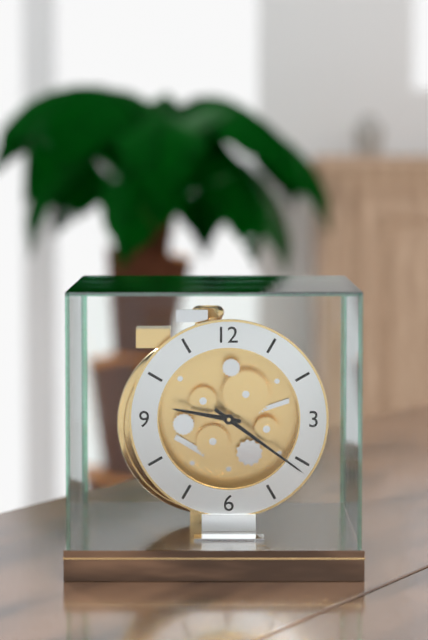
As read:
9:21
